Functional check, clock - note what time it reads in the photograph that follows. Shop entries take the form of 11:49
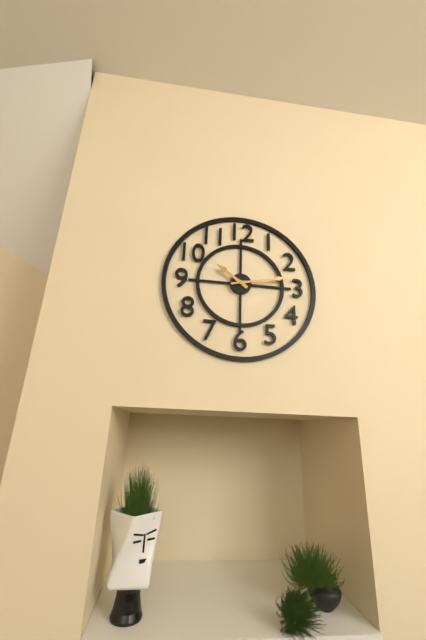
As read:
10:13
